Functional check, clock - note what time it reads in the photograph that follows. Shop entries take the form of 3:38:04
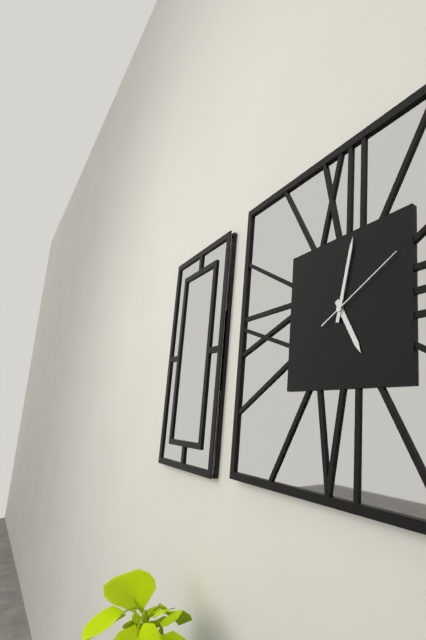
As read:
5:02:10
